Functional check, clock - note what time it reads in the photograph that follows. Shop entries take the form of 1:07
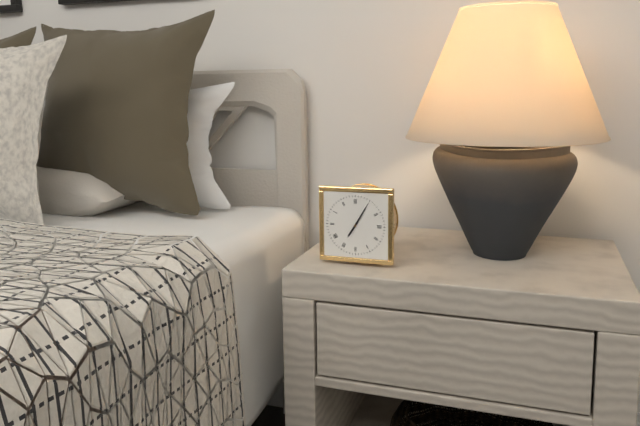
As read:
7:05
